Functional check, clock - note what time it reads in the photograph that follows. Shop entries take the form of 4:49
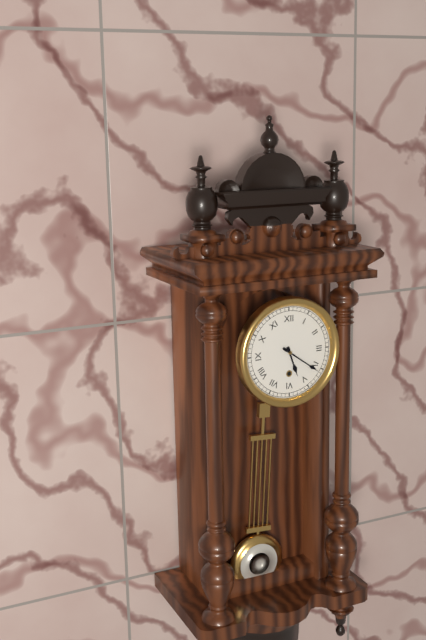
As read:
5:21
